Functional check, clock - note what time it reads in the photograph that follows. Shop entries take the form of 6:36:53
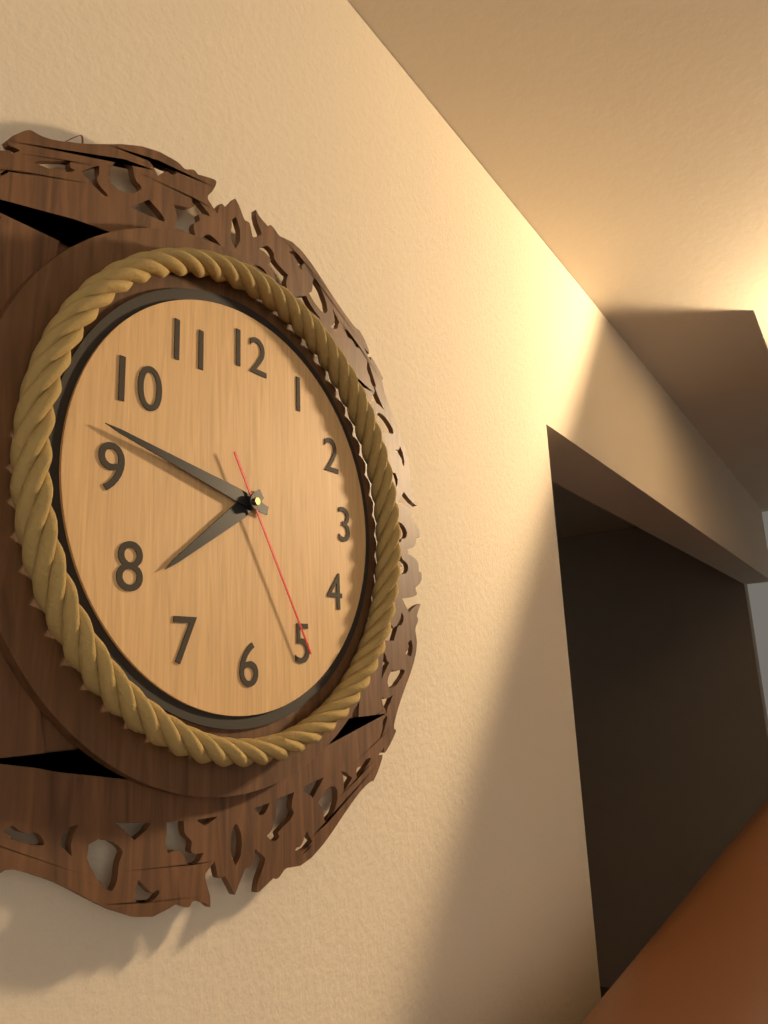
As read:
7:47:25
